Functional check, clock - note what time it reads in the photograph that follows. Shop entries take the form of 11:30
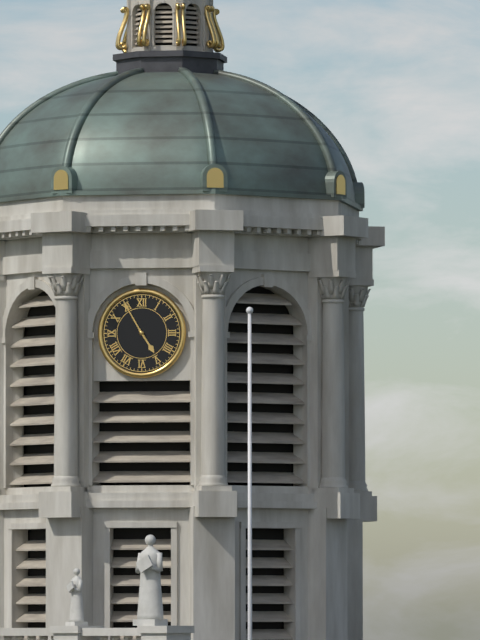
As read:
4:55
